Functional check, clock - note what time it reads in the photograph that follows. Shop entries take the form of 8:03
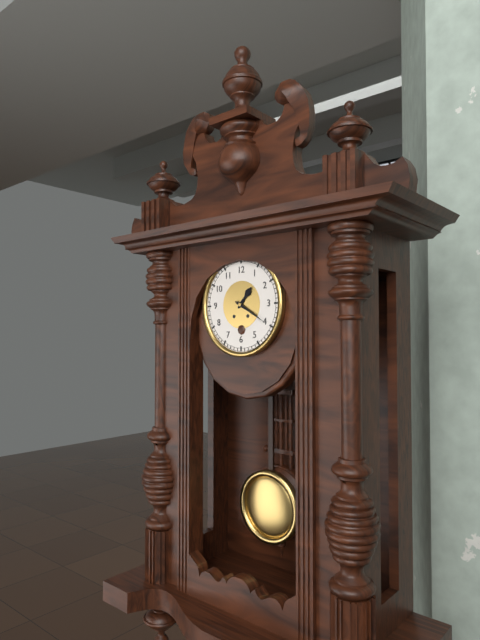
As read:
1:20
